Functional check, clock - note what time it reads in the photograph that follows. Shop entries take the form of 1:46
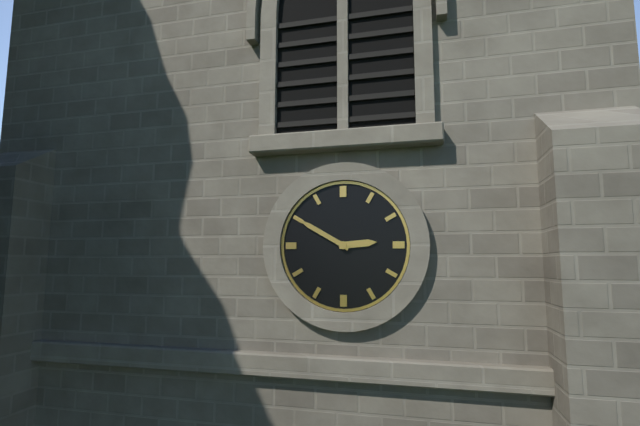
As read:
2:50
